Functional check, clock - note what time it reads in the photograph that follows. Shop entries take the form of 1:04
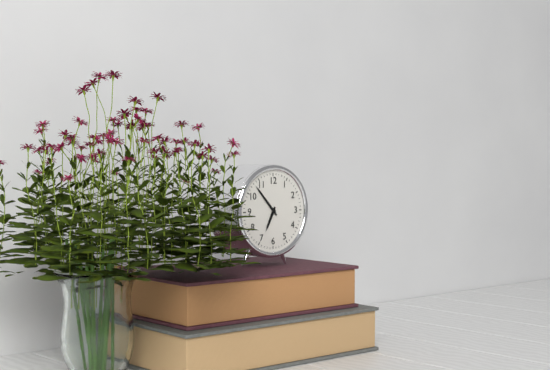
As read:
6:53
